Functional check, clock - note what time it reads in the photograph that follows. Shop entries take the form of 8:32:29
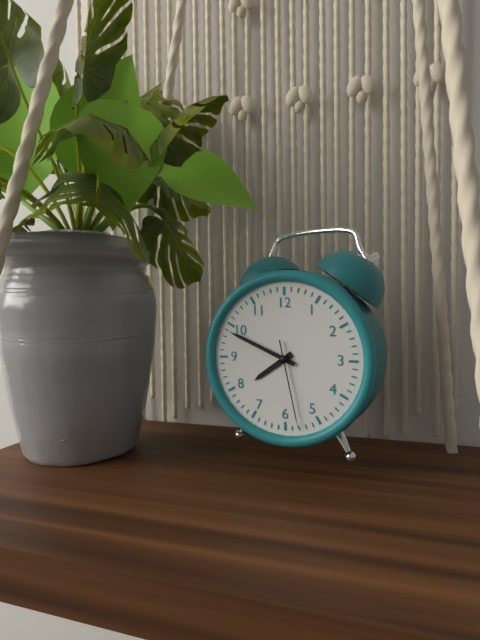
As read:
7:49:28
